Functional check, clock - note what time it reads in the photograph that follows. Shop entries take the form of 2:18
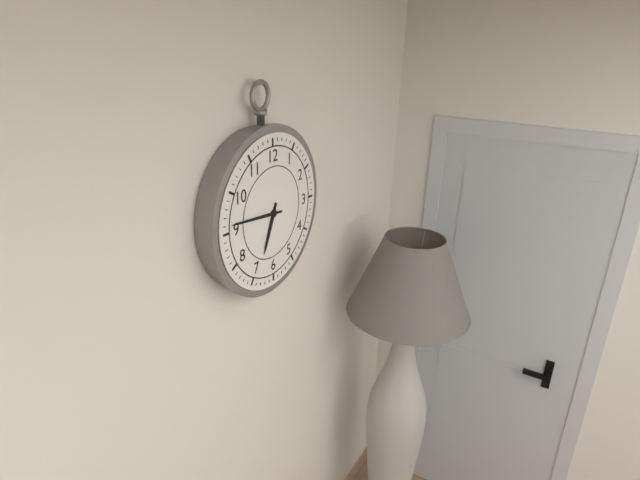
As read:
6:46
